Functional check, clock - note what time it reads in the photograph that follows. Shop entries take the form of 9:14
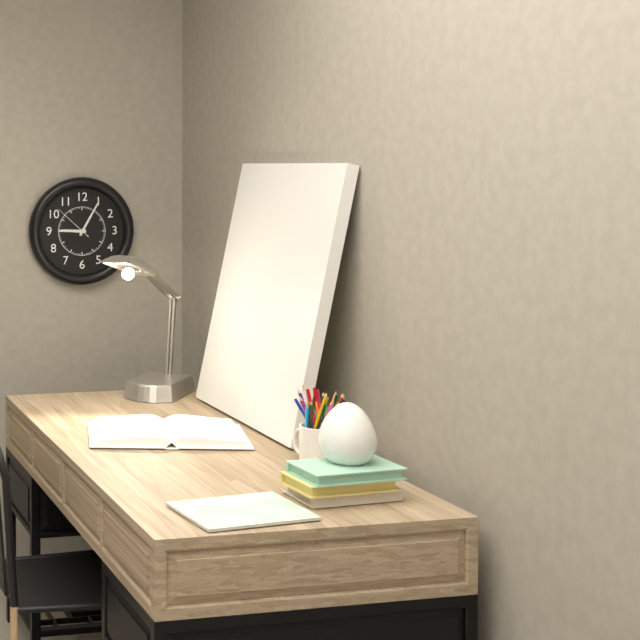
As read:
9:05
